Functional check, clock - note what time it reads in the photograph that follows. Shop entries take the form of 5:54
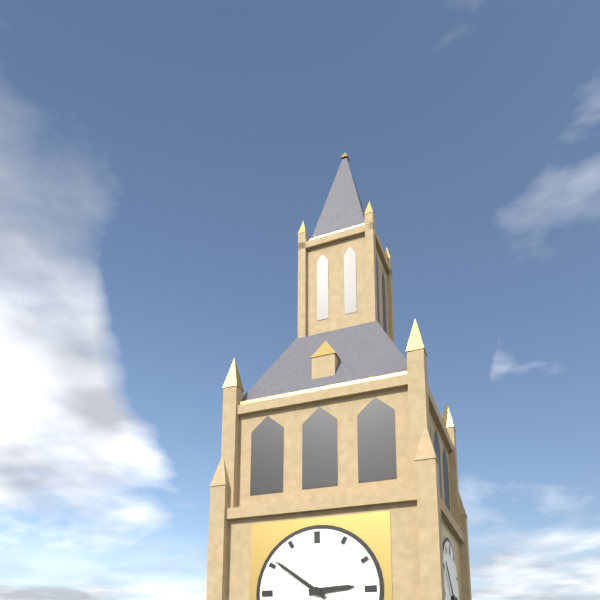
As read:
2:51
